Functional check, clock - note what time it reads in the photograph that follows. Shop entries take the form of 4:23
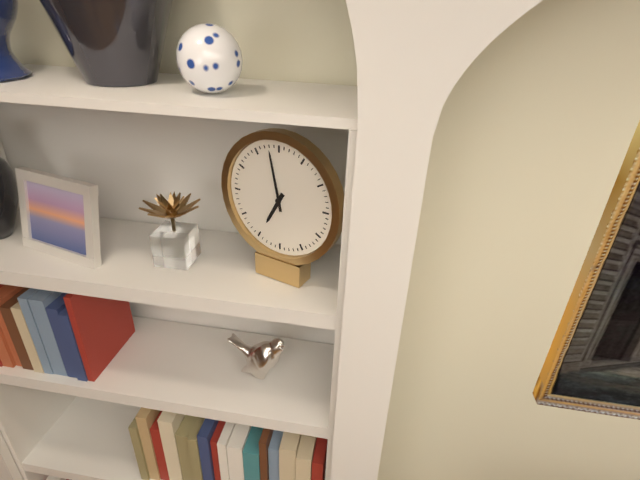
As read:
6:58
